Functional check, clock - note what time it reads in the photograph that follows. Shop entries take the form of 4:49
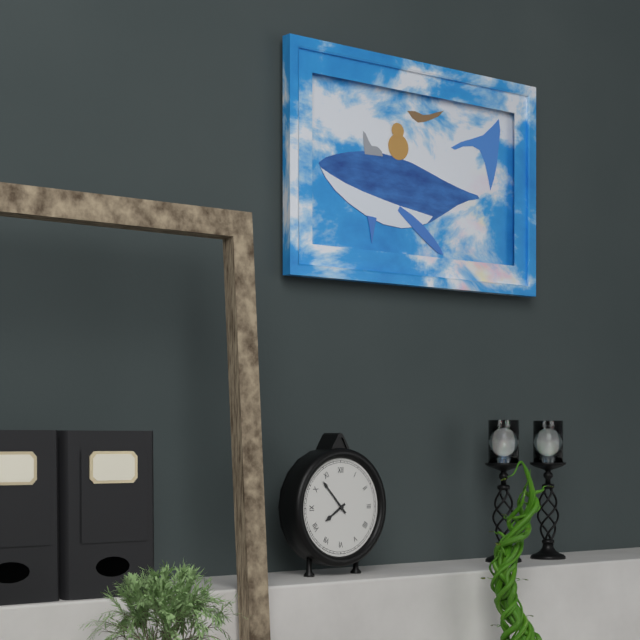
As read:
7:53
